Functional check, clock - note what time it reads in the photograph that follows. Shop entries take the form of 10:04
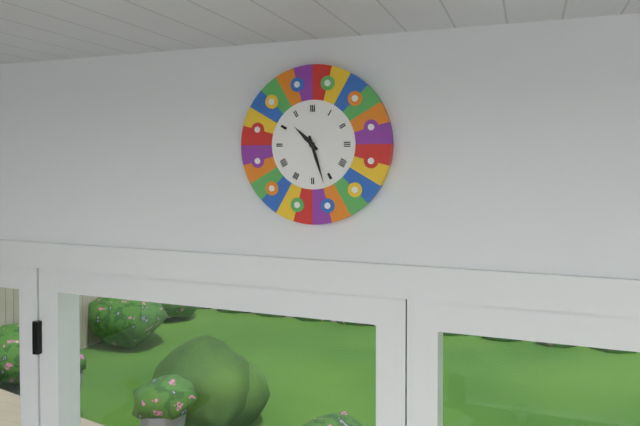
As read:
10:27
